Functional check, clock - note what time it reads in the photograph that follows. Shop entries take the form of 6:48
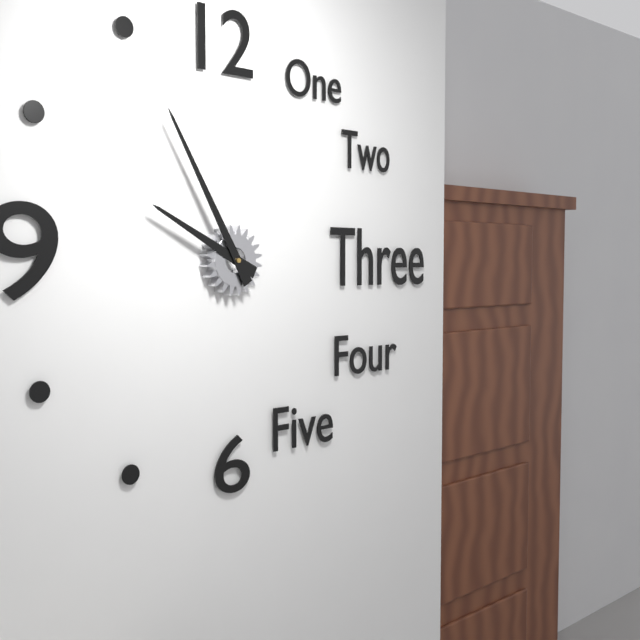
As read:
9:55
